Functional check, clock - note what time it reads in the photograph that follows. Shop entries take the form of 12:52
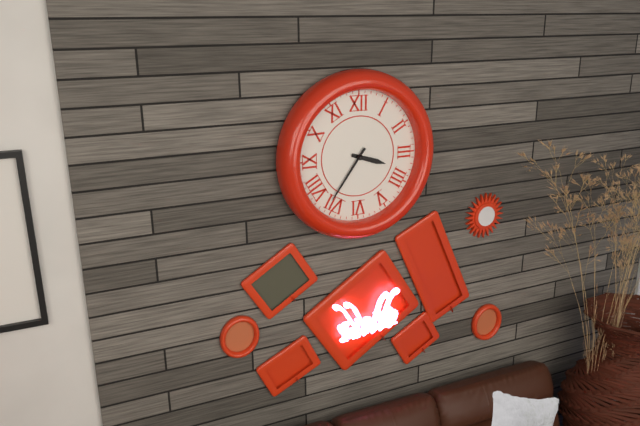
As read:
3:36
